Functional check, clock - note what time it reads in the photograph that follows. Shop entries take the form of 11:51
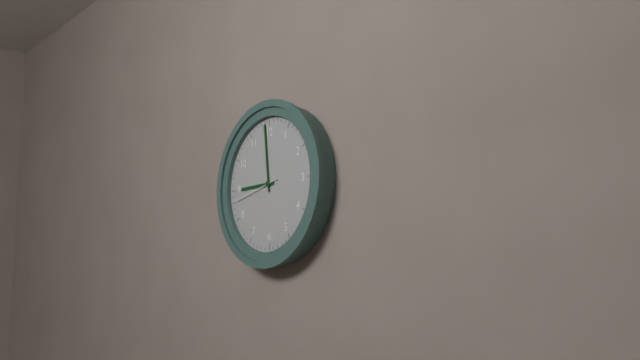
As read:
8:59
